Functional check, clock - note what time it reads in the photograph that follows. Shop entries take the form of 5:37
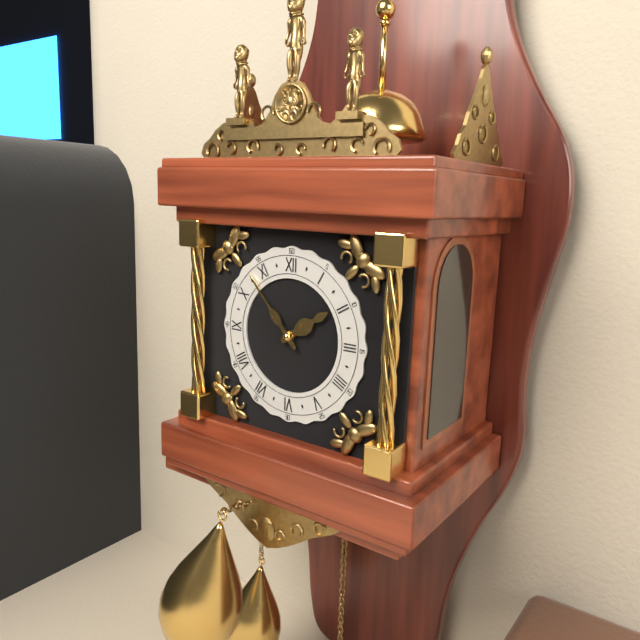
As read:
1:53
